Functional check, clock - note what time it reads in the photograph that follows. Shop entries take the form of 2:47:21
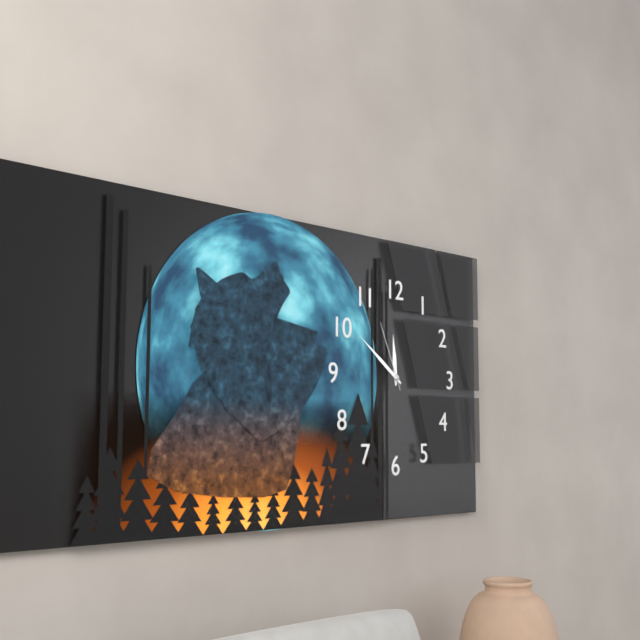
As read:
11:51:56
